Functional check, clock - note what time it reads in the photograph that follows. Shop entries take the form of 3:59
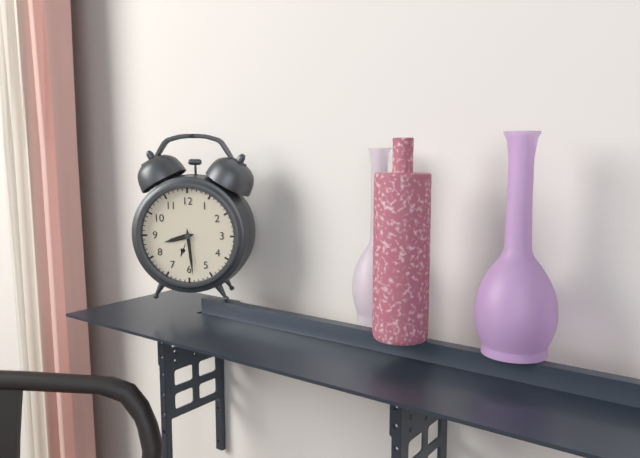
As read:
8:29
